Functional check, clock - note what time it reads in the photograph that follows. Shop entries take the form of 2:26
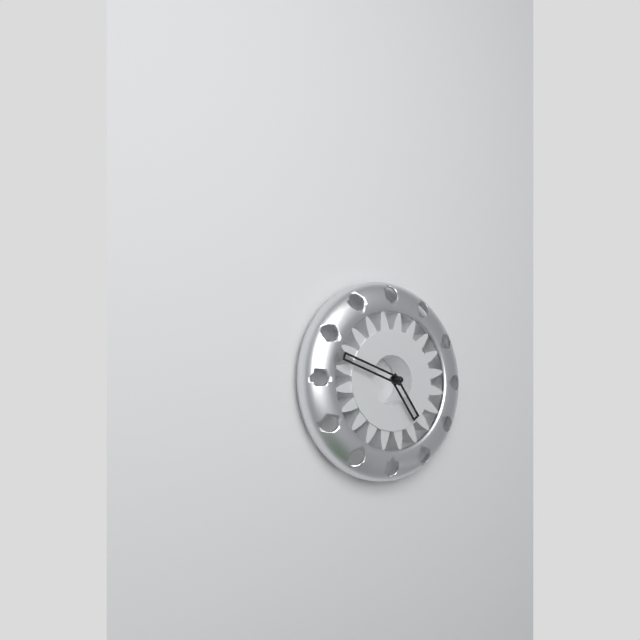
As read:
4:48
